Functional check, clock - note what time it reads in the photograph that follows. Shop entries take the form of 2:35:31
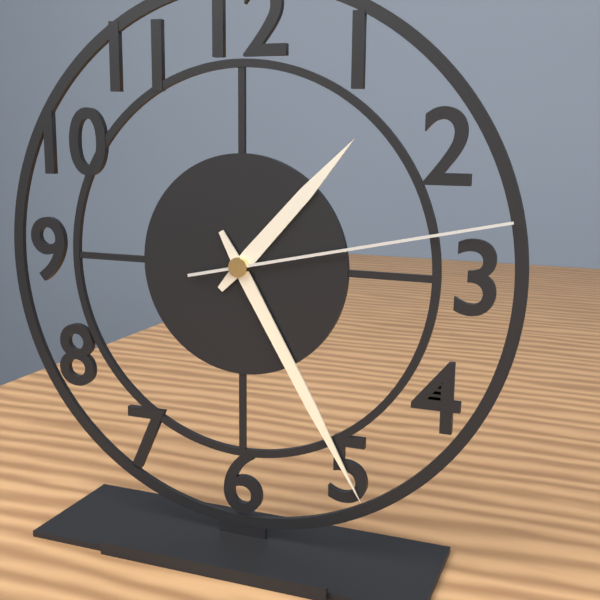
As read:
1:25:13
